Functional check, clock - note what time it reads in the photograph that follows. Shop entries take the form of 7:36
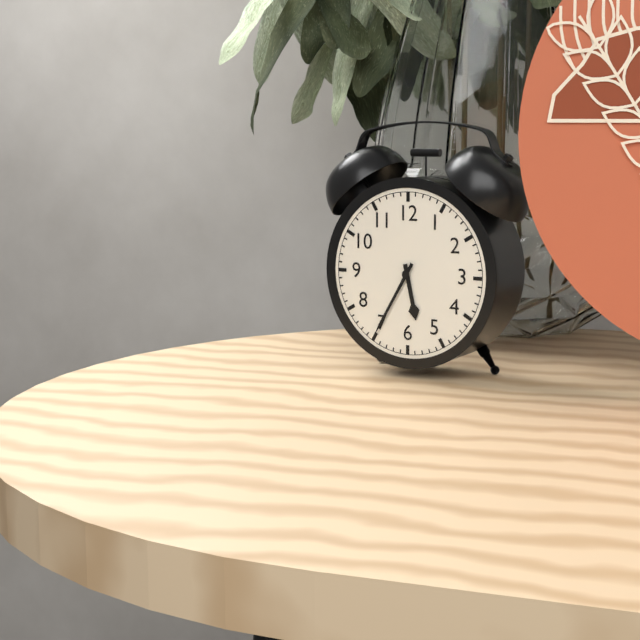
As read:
5:35
